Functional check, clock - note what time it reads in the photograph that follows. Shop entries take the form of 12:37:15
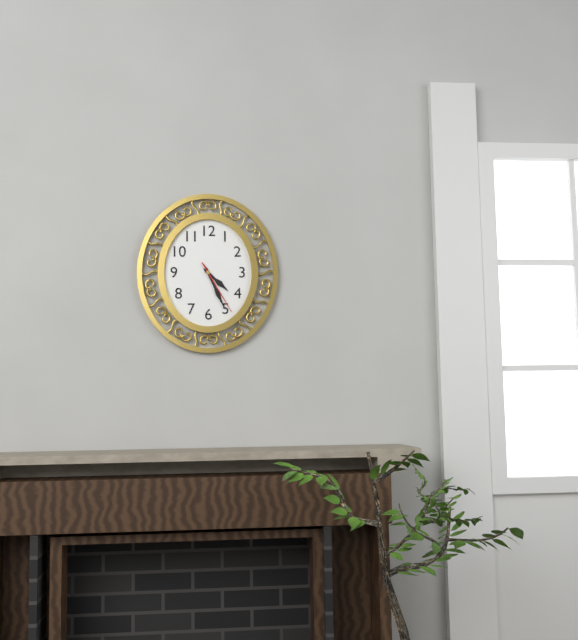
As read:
4:26:25
